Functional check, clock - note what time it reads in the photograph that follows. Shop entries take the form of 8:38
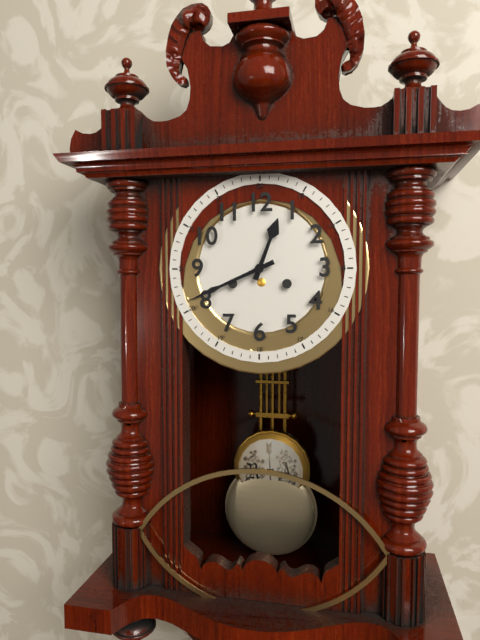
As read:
12:41
